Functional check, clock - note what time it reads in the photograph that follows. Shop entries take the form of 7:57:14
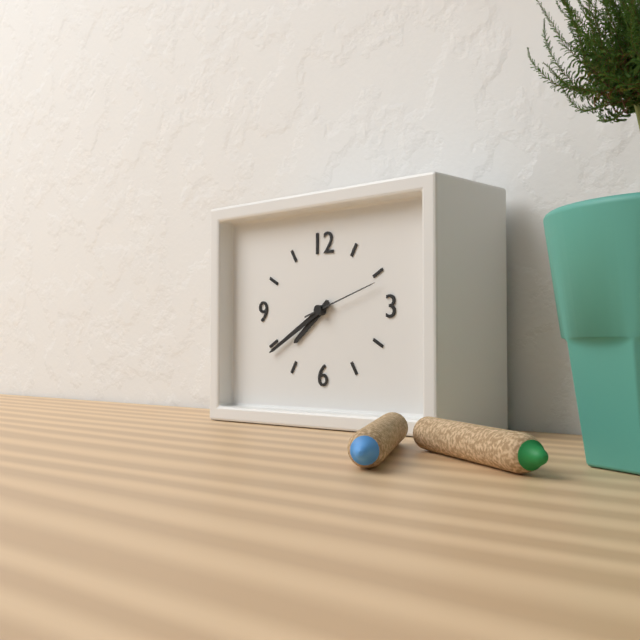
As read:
7:40:12
